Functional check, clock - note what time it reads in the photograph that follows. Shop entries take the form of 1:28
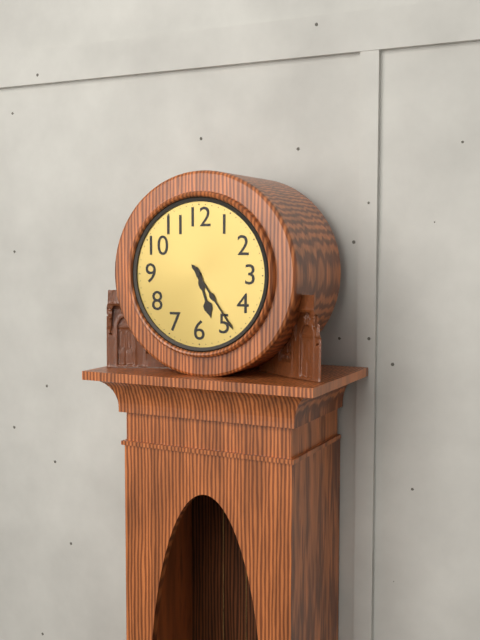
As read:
5:24
